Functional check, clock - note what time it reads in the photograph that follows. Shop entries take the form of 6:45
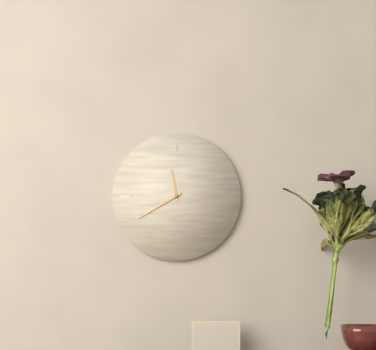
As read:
11:40
